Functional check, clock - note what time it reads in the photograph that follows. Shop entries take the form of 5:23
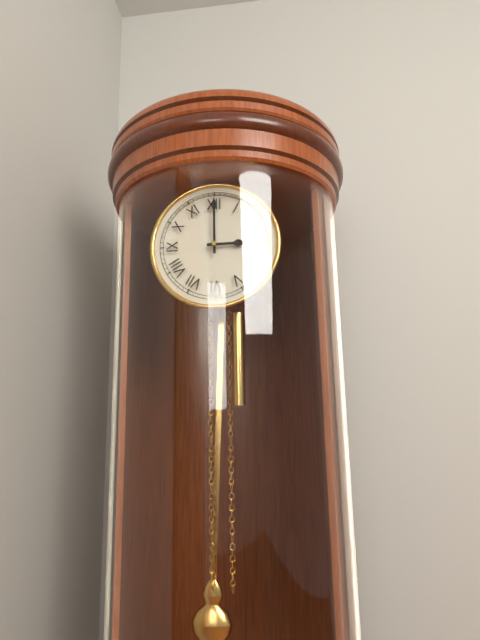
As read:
3:00
